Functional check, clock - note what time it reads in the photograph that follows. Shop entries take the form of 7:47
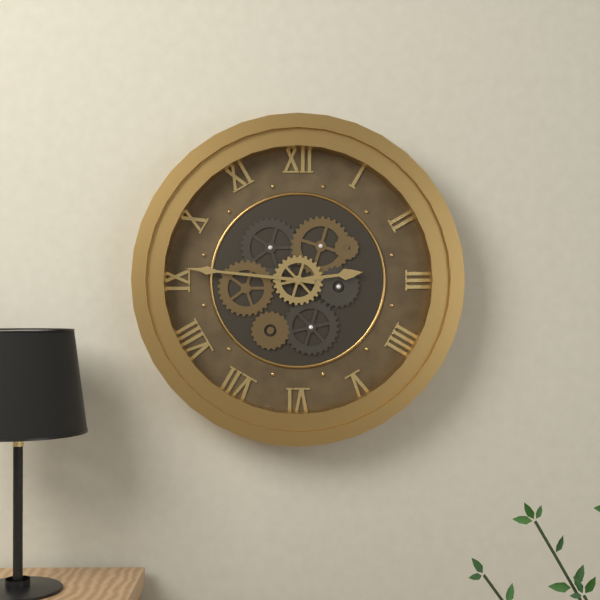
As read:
2:46
